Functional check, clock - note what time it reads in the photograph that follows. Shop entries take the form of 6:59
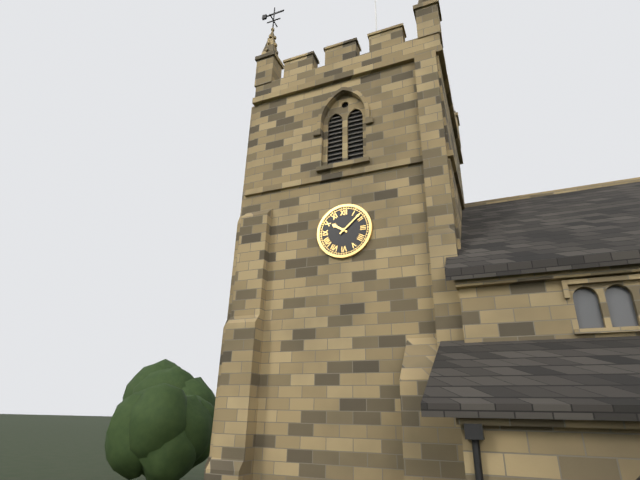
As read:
10:08
